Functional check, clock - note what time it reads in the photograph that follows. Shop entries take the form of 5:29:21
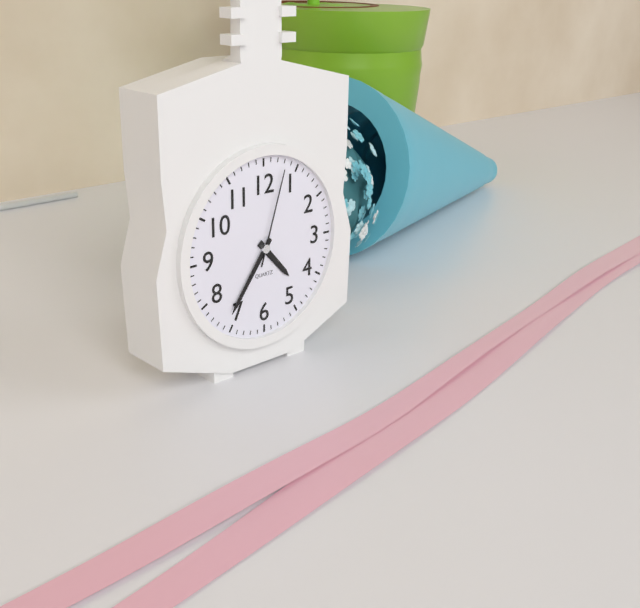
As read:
4:36:03
